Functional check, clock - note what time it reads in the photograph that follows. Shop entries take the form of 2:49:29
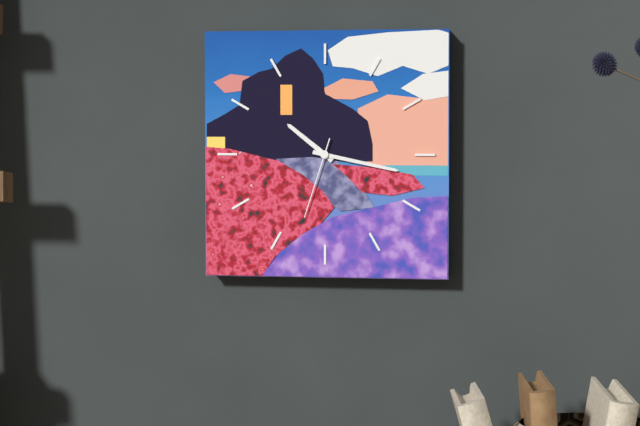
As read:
10:17:33
